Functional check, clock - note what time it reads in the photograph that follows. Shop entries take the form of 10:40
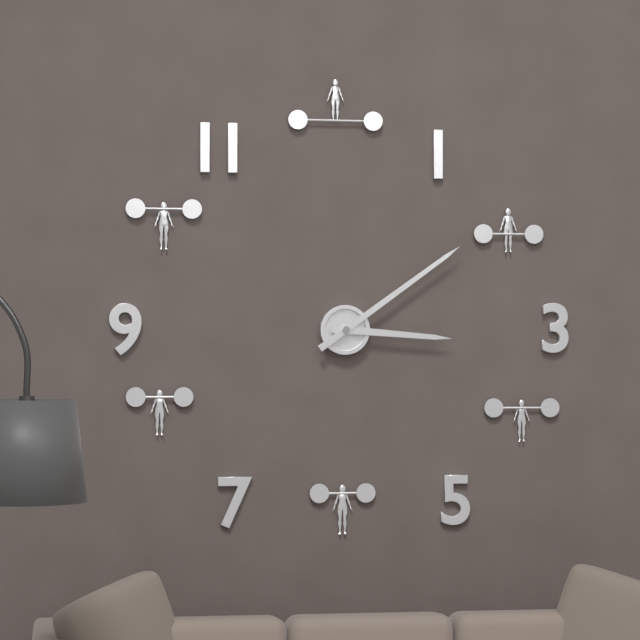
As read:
3:09
